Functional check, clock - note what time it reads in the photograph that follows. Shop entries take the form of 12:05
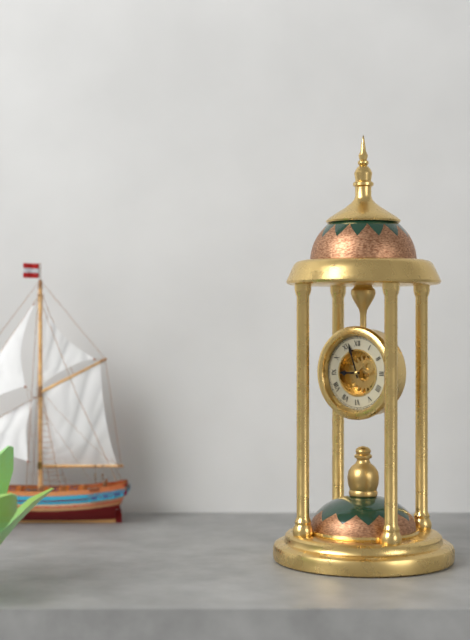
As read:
8:57
